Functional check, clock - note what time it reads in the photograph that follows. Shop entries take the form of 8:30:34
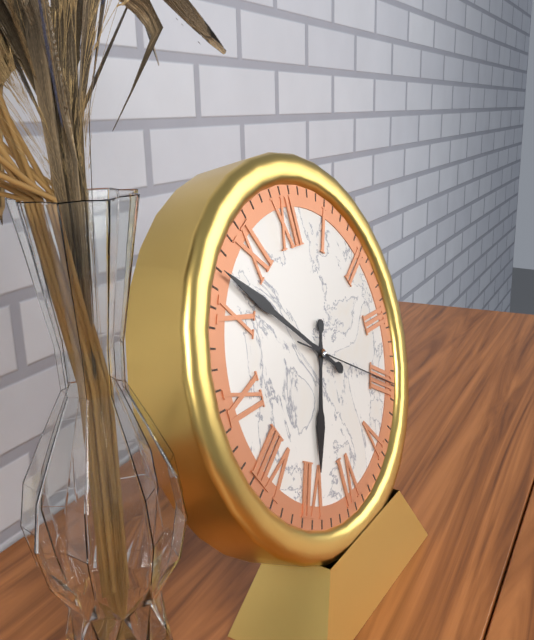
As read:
6:52:20
